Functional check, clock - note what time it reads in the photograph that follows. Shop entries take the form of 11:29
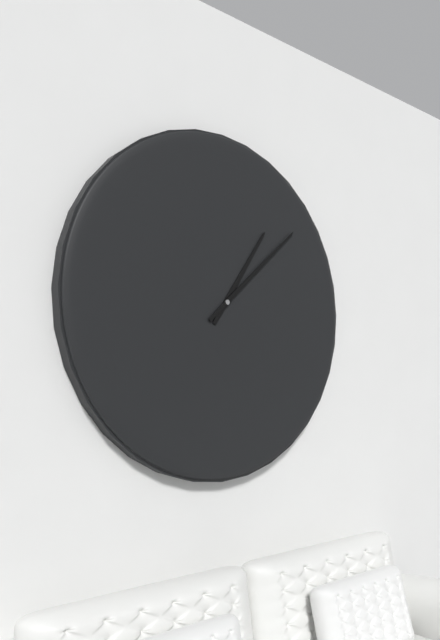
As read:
1:08
